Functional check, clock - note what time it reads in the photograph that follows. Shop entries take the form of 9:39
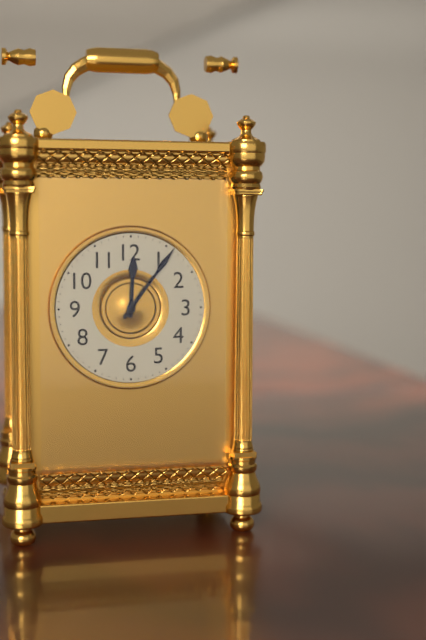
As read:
12:06
